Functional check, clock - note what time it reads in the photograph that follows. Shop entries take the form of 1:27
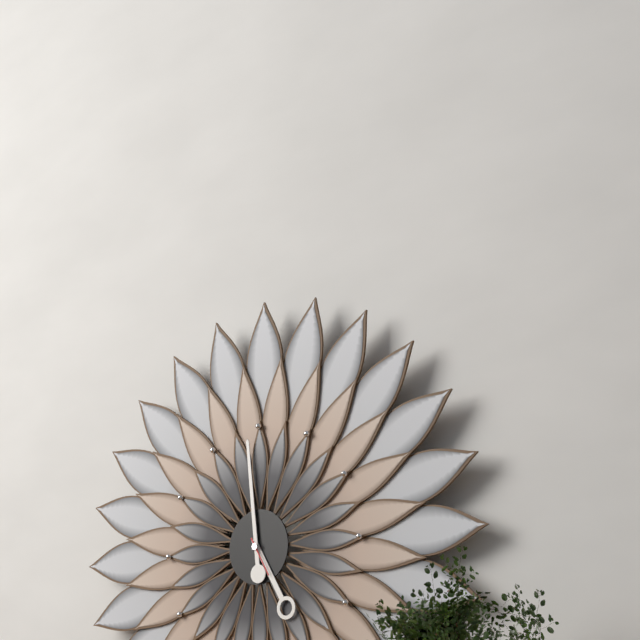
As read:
4:59
